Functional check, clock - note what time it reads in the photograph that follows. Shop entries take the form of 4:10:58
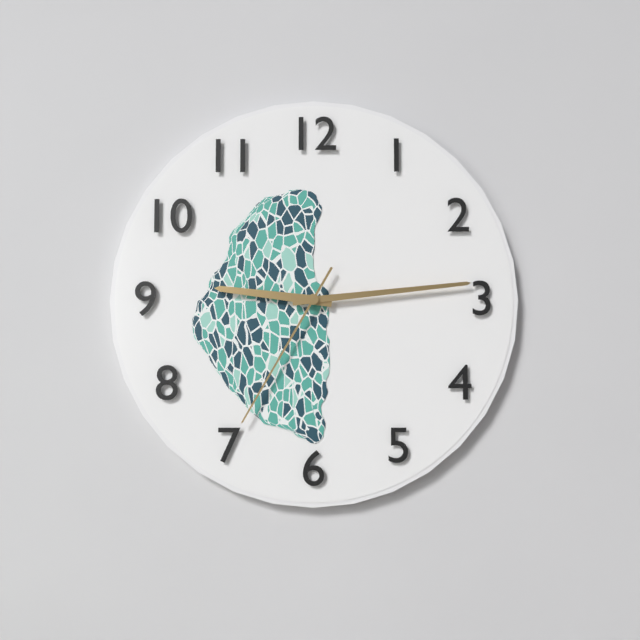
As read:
9:14:35
